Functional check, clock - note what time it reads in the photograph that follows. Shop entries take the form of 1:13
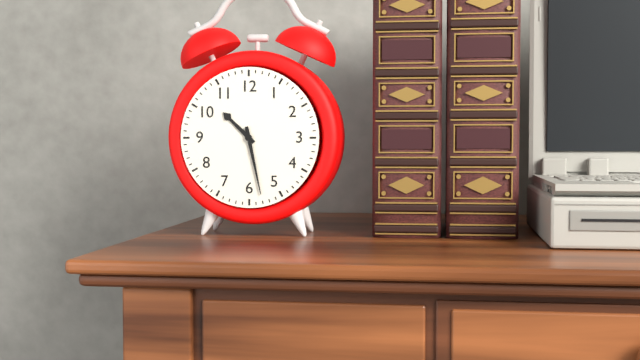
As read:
10:28
